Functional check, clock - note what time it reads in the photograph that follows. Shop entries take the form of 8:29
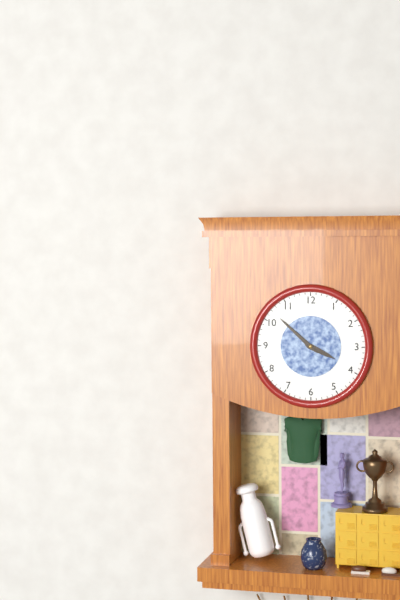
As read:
3:52
